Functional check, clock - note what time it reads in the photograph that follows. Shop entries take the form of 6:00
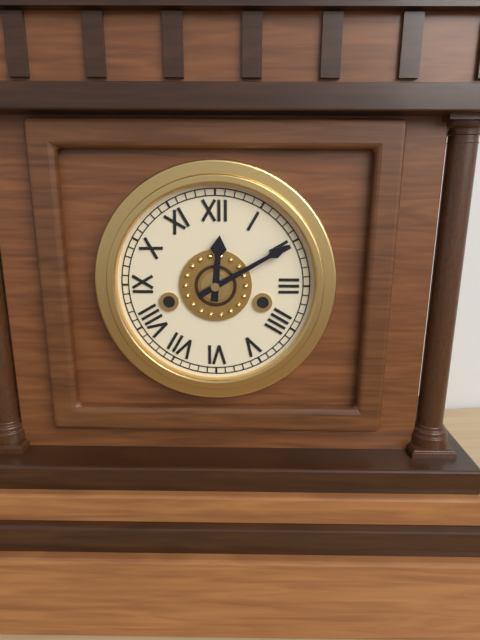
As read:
12:10
